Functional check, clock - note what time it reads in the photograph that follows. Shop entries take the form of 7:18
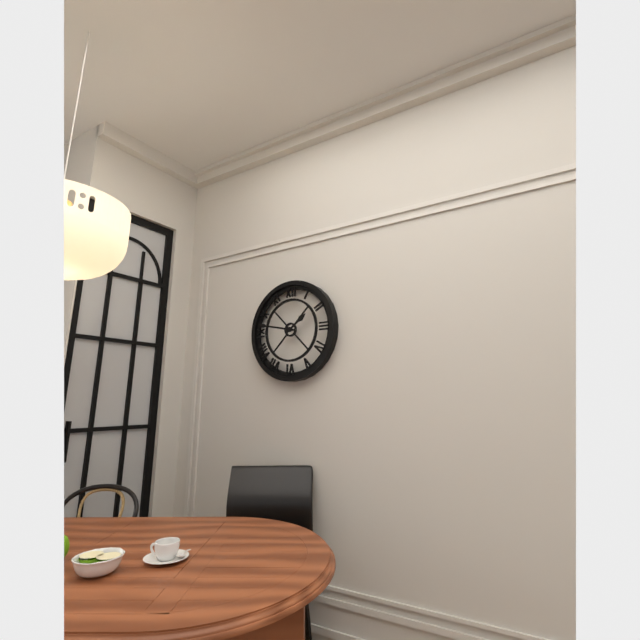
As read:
1:47
